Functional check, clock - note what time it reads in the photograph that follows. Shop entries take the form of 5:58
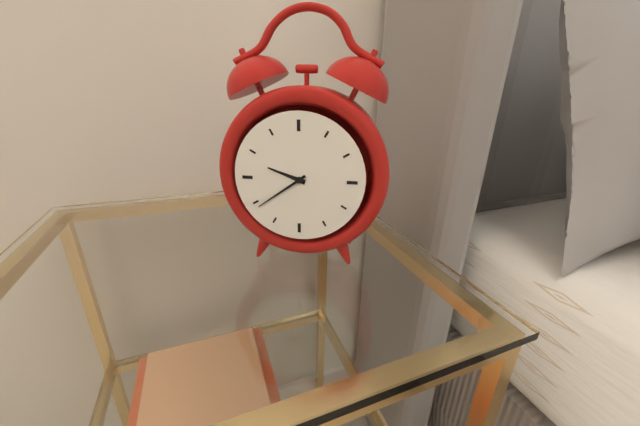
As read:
9:39
